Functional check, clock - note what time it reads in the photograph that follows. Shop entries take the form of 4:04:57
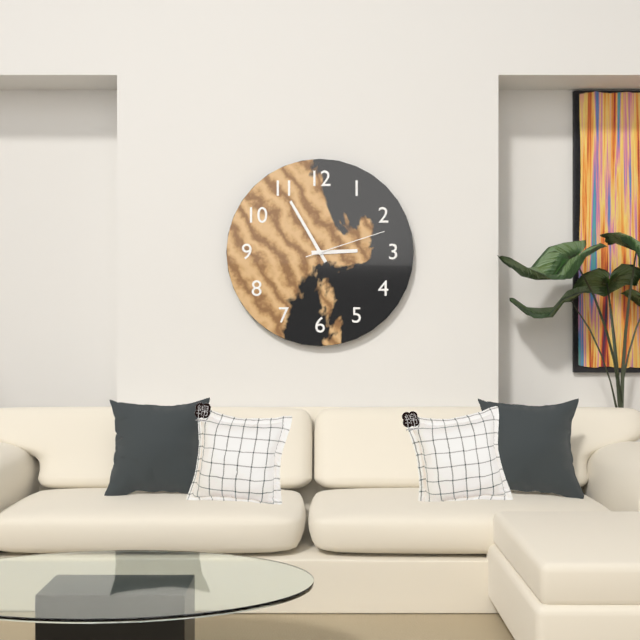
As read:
2:55:12
